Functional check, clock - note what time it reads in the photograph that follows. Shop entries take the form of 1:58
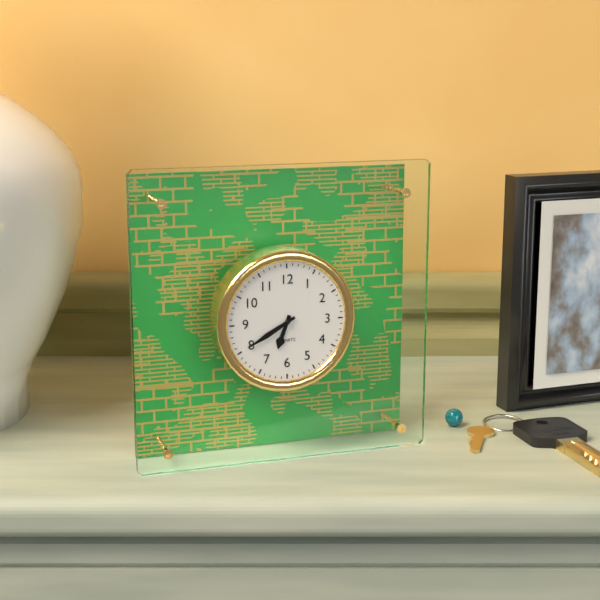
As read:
6:40
